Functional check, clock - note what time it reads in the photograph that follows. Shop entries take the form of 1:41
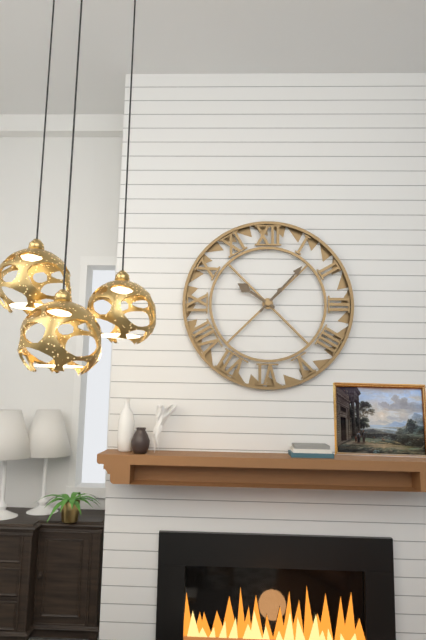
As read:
10:07
